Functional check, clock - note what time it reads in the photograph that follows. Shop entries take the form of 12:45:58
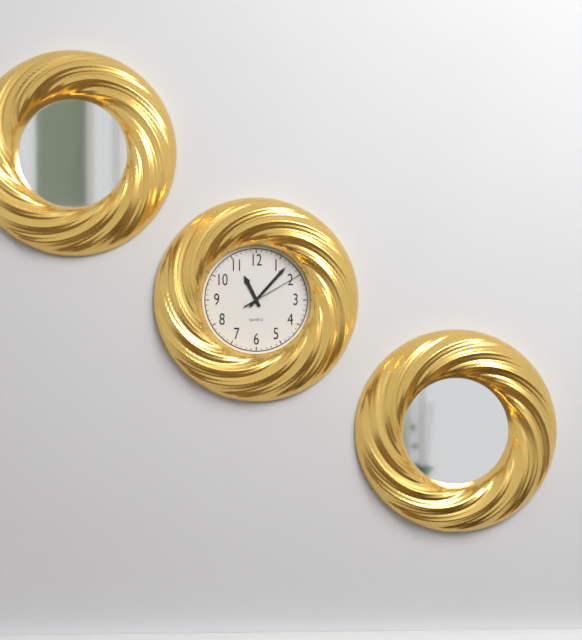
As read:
11:07:10
